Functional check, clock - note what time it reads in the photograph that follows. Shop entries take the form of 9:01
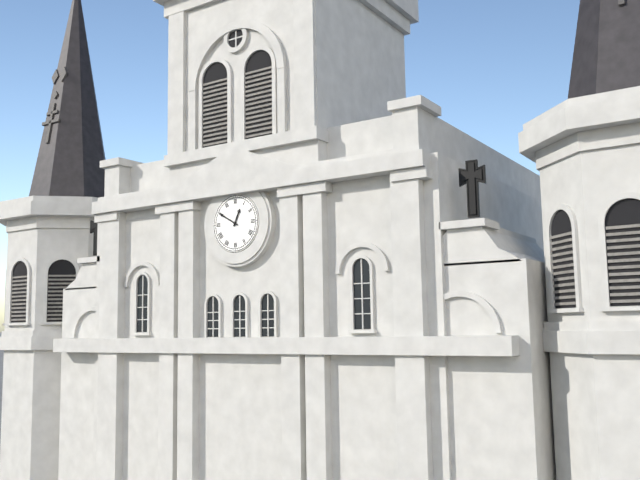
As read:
12:50
